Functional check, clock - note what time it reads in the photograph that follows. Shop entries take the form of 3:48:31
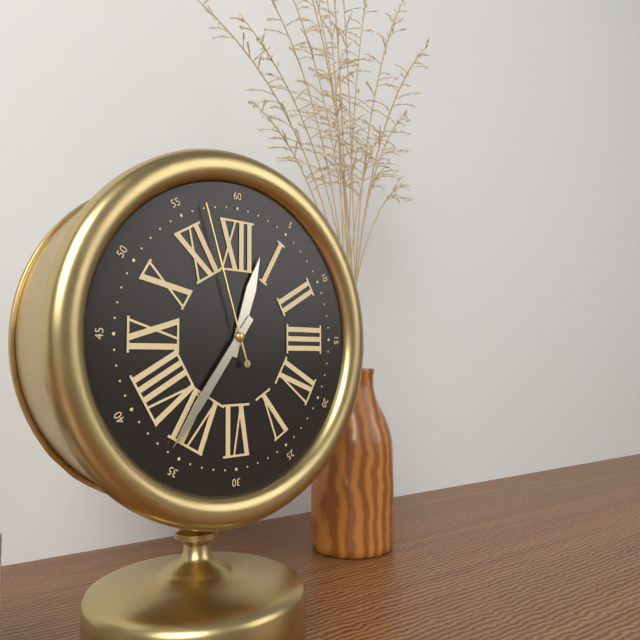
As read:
12:36:57
